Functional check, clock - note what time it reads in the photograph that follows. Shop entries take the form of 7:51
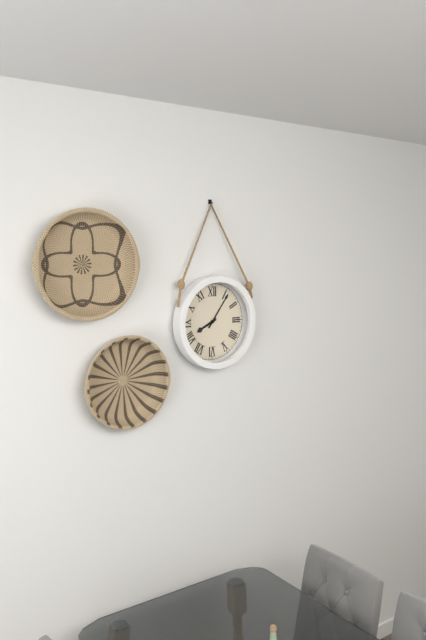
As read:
8:06
